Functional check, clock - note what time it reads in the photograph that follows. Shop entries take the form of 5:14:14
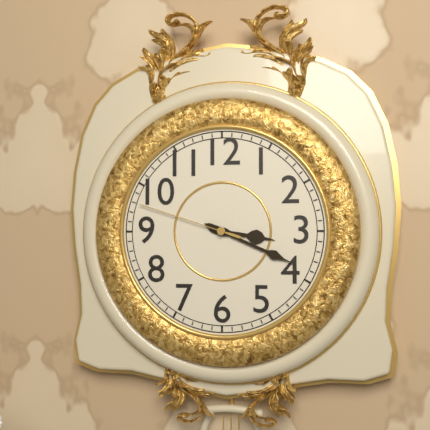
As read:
3:19:48
